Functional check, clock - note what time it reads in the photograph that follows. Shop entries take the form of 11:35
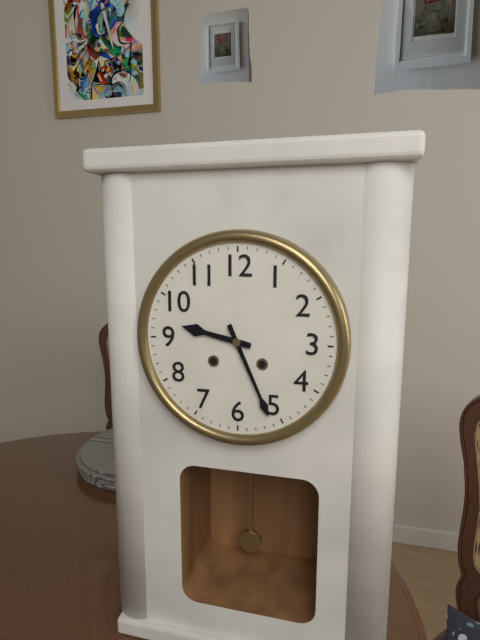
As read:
9:26
